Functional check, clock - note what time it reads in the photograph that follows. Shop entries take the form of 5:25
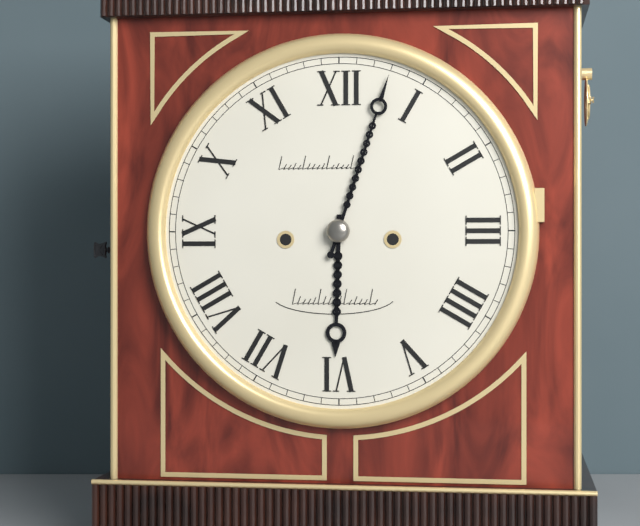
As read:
6:03
